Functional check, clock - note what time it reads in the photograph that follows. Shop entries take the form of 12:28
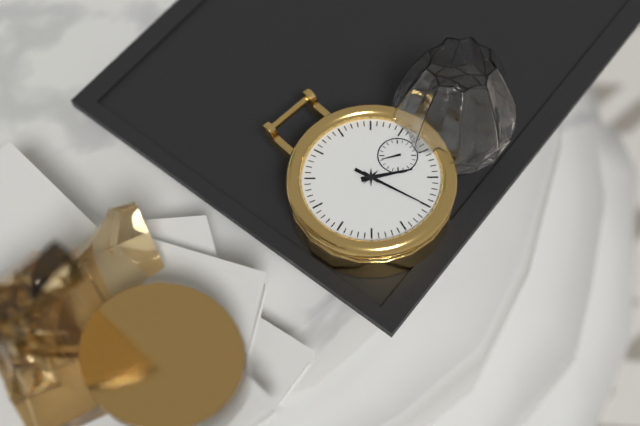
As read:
5:35
